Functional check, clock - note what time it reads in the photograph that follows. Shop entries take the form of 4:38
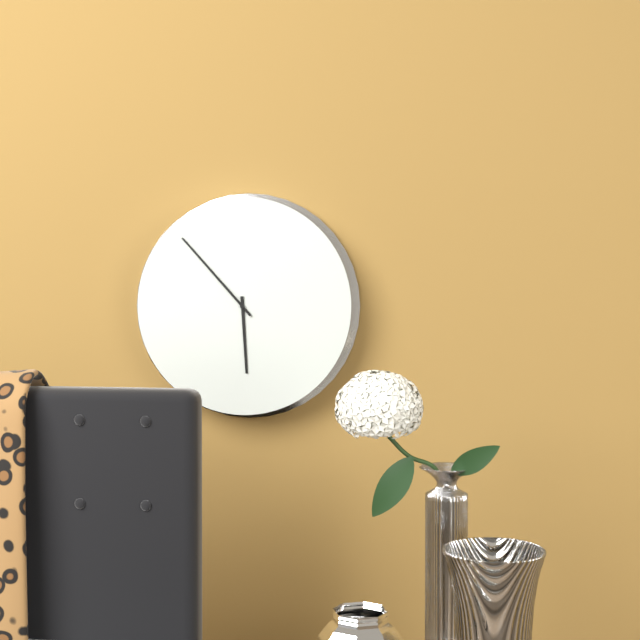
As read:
5:53
